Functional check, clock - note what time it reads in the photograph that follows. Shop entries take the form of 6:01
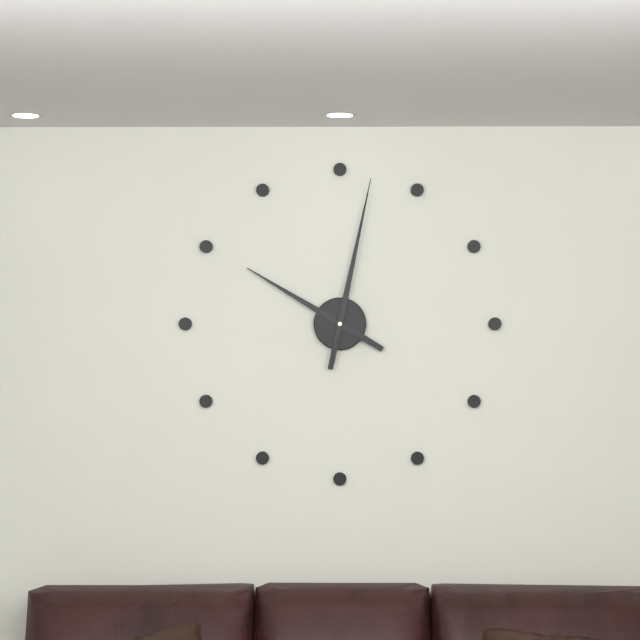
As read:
10:02
